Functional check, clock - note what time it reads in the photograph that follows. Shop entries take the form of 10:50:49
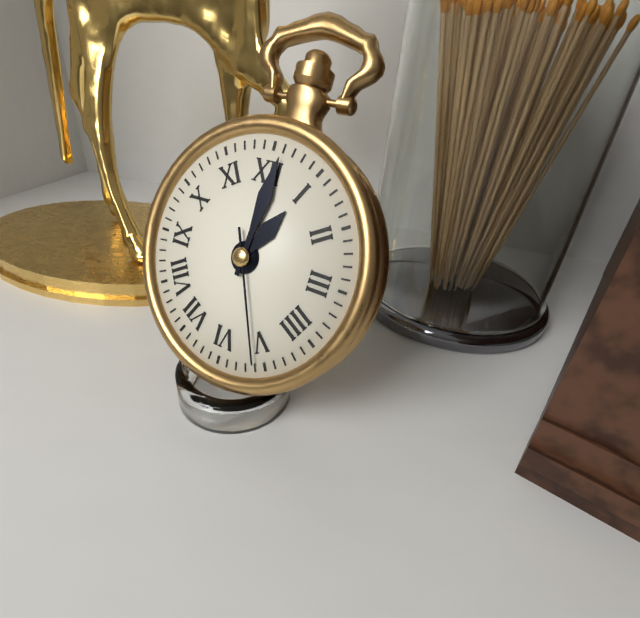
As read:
1:01:26
